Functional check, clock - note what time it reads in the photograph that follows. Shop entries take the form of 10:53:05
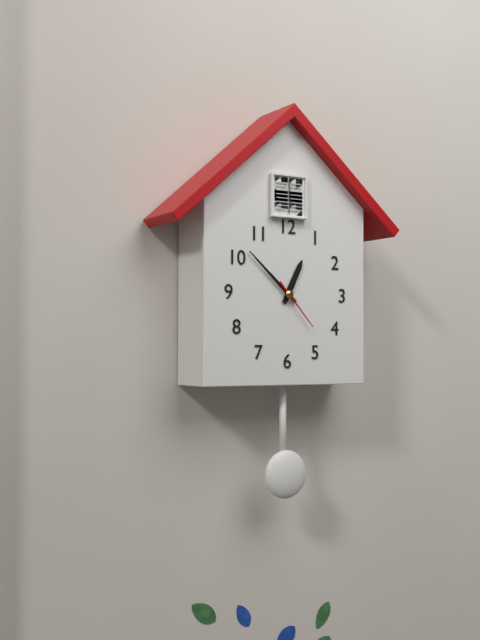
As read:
12:52:23
